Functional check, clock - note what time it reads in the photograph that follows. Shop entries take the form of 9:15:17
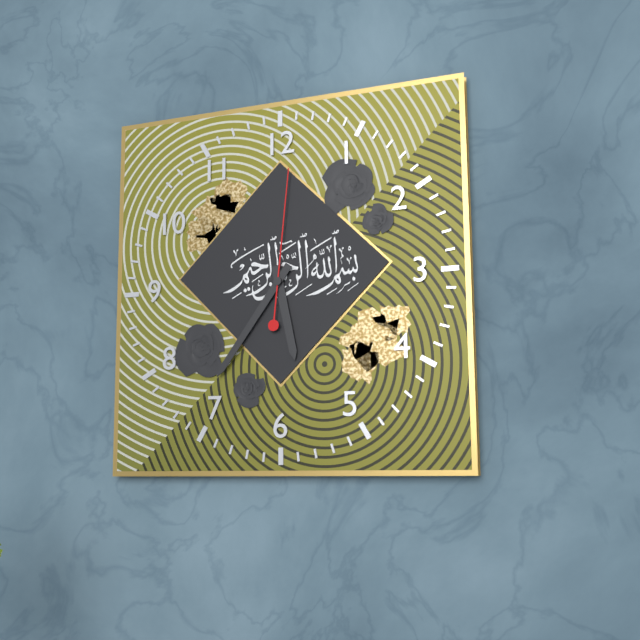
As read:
5:36:01
